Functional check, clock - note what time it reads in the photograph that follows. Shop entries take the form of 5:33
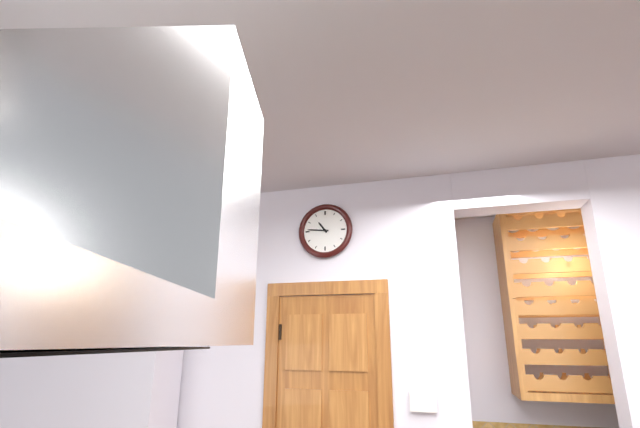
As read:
10:46
